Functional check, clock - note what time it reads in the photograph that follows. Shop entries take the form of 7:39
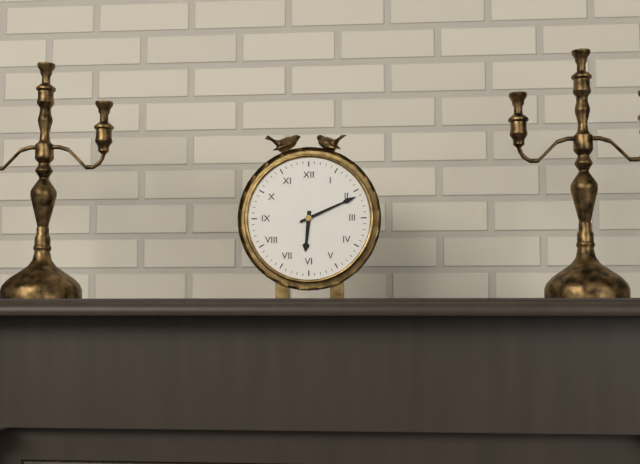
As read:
6:11
